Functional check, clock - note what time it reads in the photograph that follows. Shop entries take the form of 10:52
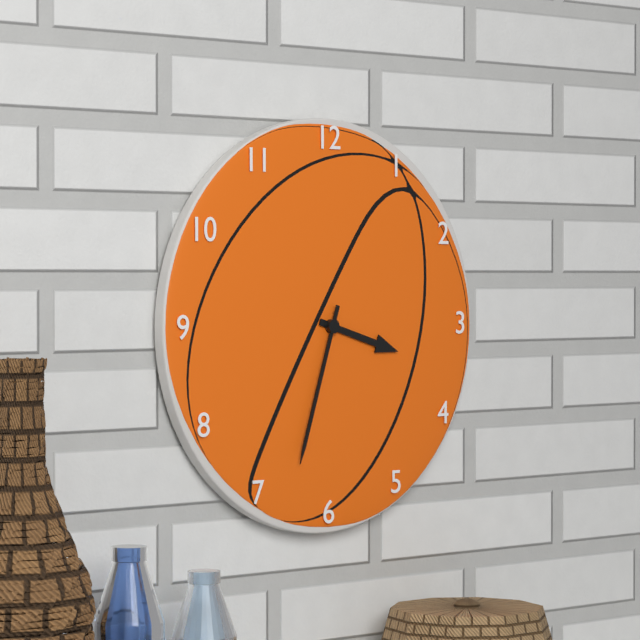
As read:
3:33
